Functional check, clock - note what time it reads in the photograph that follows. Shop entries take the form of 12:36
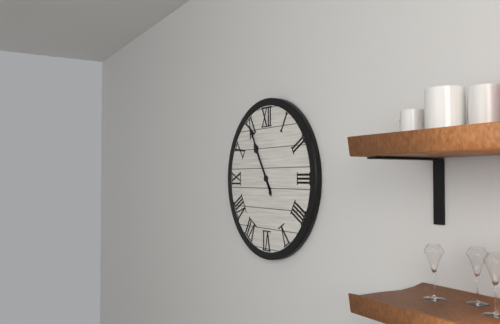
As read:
10:55
